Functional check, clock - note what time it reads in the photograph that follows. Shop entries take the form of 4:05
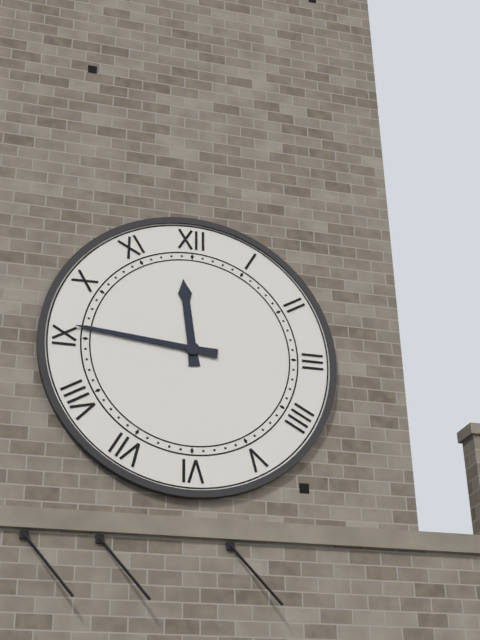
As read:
11:46
